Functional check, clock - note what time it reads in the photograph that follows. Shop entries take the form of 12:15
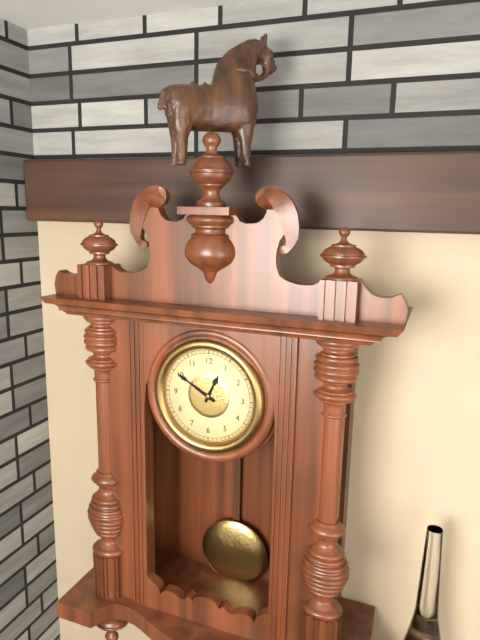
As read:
12:50
